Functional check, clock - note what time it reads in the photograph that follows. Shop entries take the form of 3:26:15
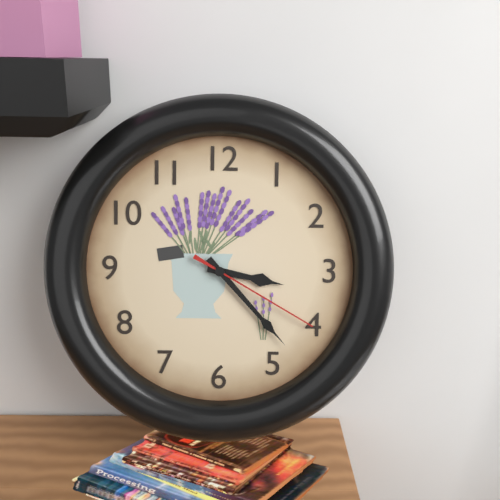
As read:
3:23:20
